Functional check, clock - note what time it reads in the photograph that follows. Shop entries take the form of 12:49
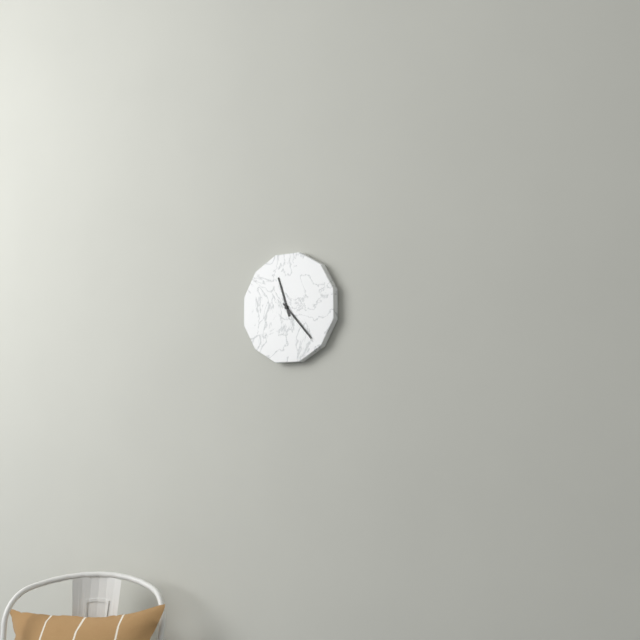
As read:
11:23
